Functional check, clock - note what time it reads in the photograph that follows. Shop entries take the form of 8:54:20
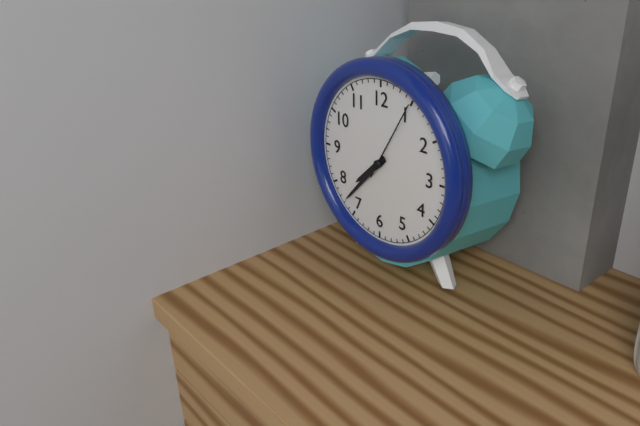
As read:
7:37:05
